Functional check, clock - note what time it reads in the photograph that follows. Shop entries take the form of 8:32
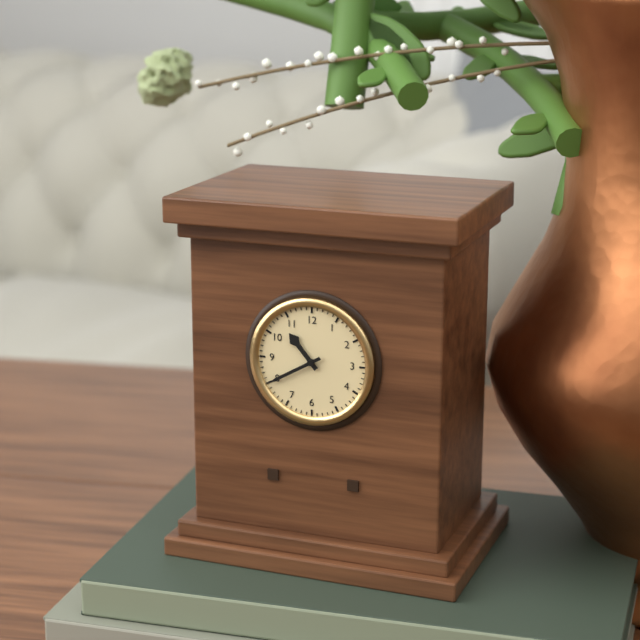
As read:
10:40
